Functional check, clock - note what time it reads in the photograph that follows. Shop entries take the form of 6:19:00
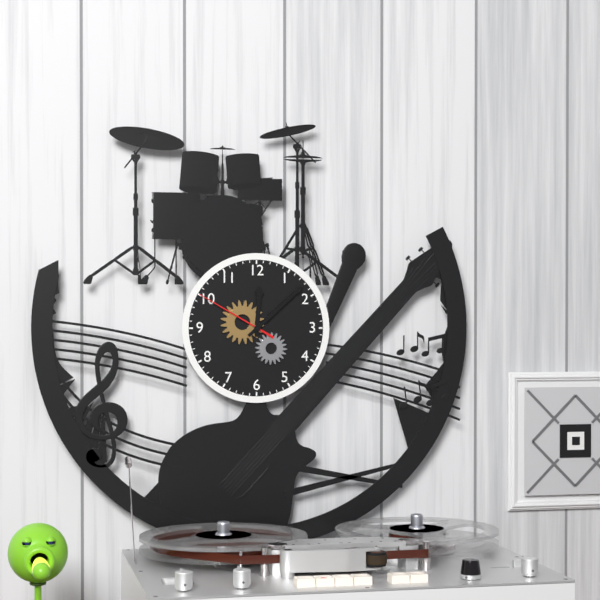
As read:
12:08:50
